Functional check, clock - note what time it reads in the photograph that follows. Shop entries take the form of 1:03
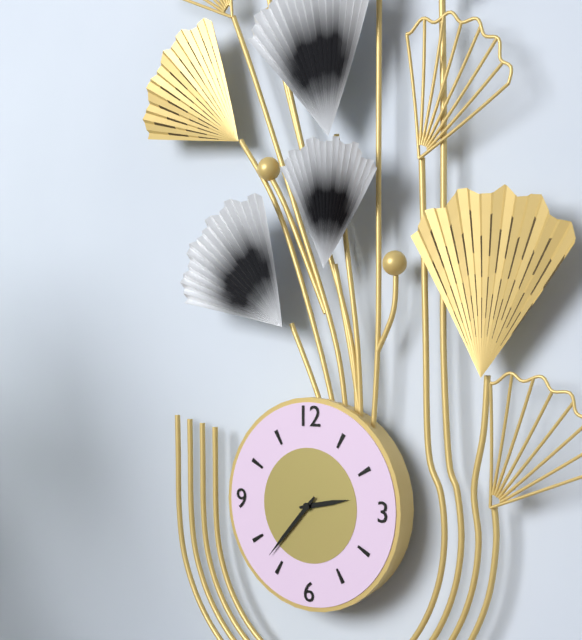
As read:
2:37
